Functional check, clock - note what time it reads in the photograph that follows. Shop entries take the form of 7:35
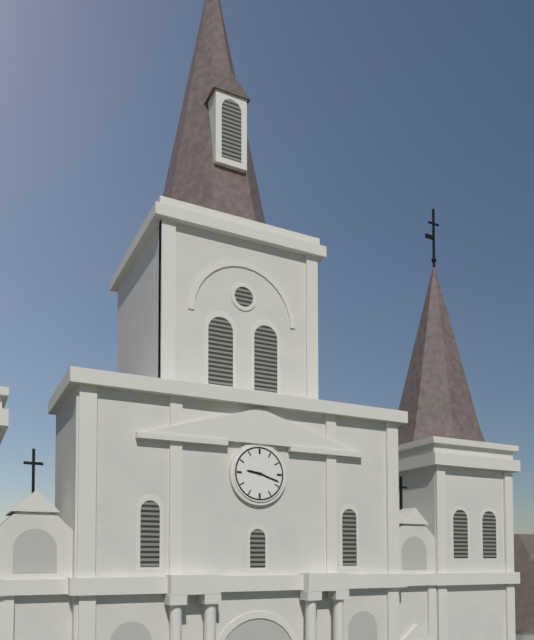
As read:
9:18
